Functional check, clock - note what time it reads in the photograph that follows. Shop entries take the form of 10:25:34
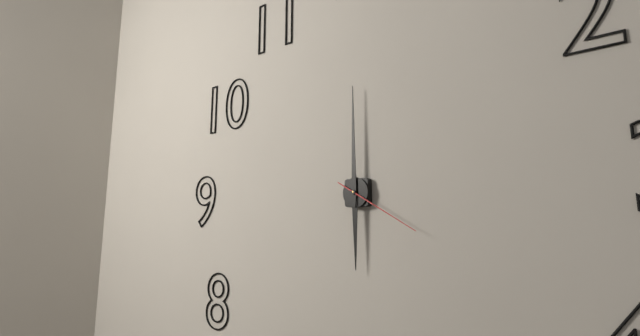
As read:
6:00:20
